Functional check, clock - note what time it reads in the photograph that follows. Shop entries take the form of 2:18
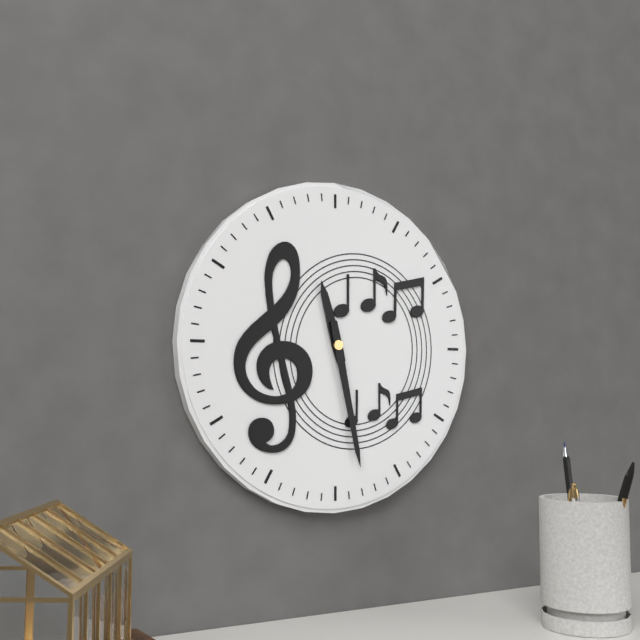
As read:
11:28
